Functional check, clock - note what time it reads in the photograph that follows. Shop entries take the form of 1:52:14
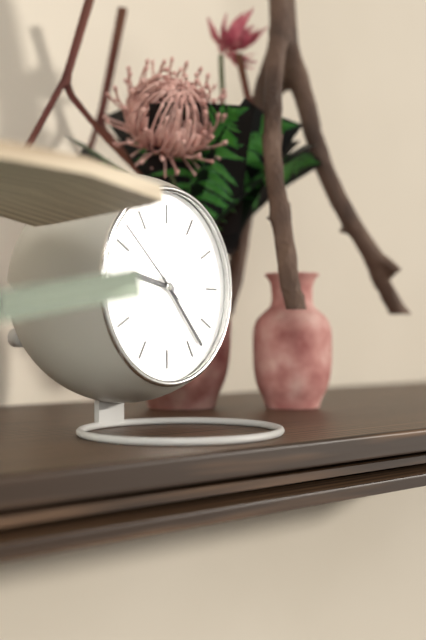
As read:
9:23:52
